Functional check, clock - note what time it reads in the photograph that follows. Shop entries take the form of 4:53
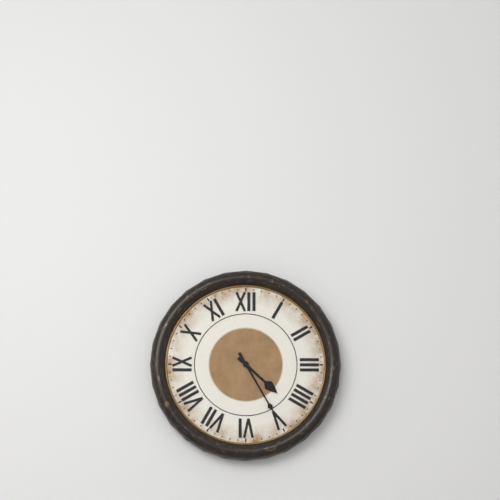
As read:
4:25
